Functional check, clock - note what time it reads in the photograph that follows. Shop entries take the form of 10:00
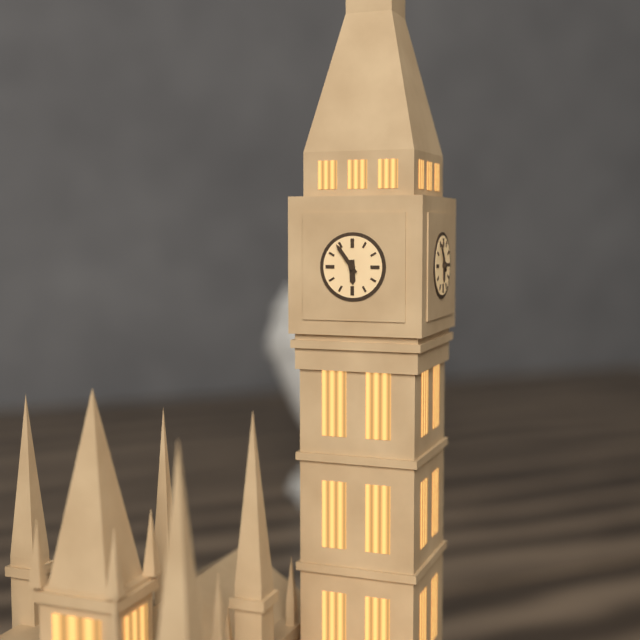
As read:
5:54
